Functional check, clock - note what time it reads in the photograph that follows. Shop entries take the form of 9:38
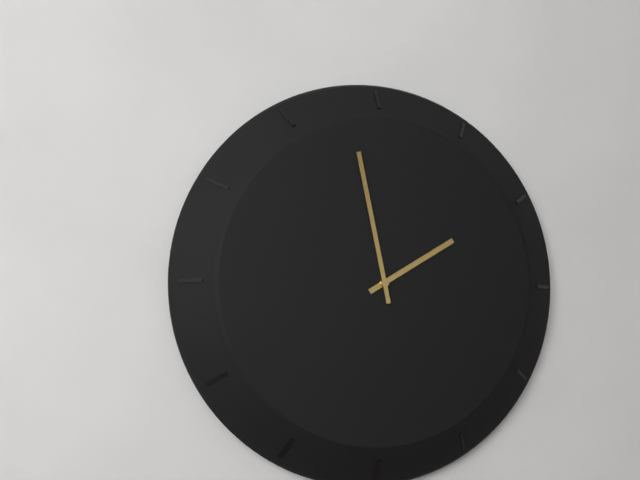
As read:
1:58
